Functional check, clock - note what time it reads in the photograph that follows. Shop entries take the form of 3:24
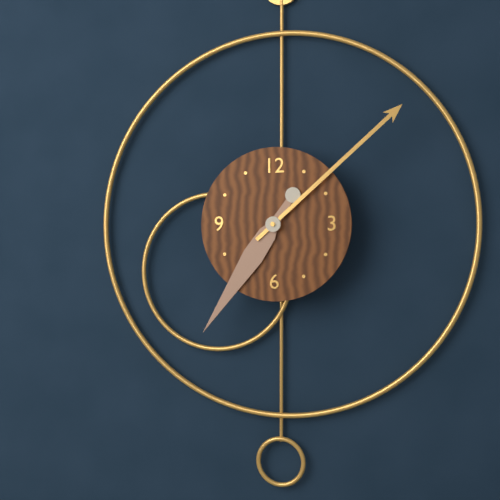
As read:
7:08
